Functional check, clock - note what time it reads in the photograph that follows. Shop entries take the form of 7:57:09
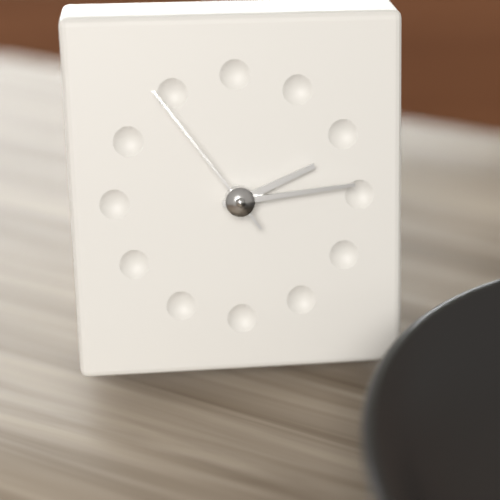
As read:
2:14:54
